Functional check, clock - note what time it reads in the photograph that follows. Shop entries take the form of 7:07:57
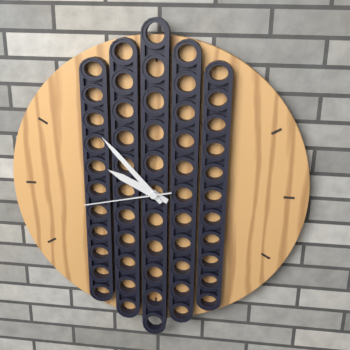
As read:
9:53:43
